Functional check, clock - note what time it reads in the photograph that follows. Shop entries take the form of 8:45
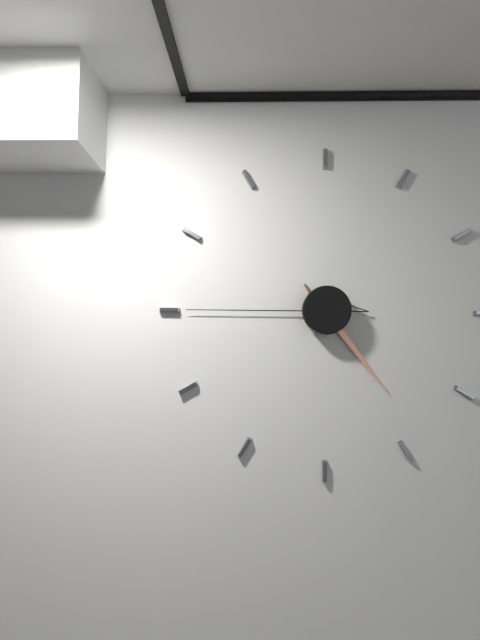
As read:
4:45
